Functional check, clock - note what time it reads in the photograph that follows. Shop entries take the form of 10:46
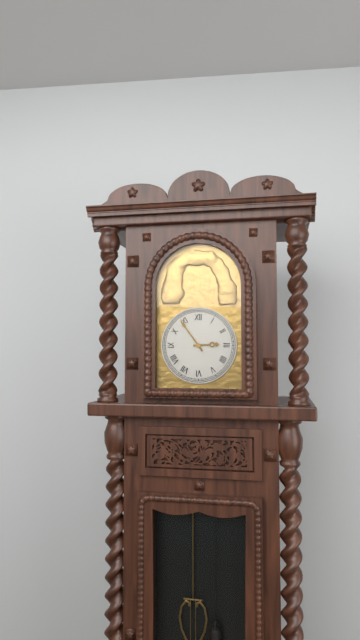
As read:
2:54
